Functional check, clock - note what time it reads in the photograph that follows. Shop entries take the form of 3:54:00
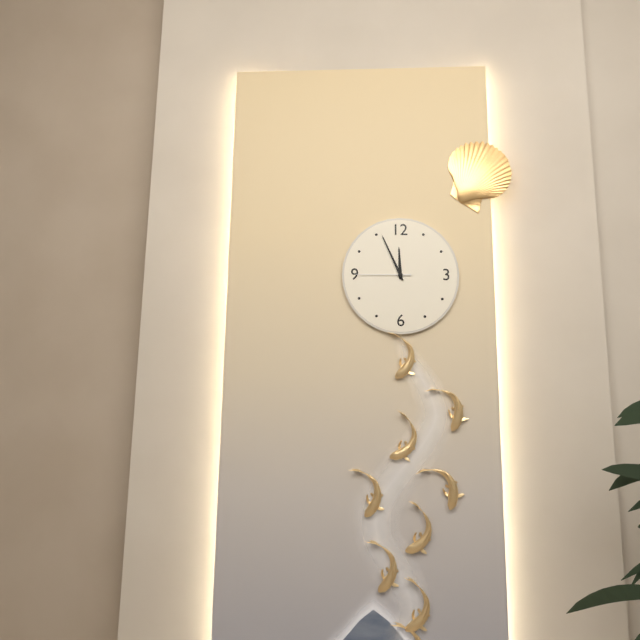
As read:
11:56:45
